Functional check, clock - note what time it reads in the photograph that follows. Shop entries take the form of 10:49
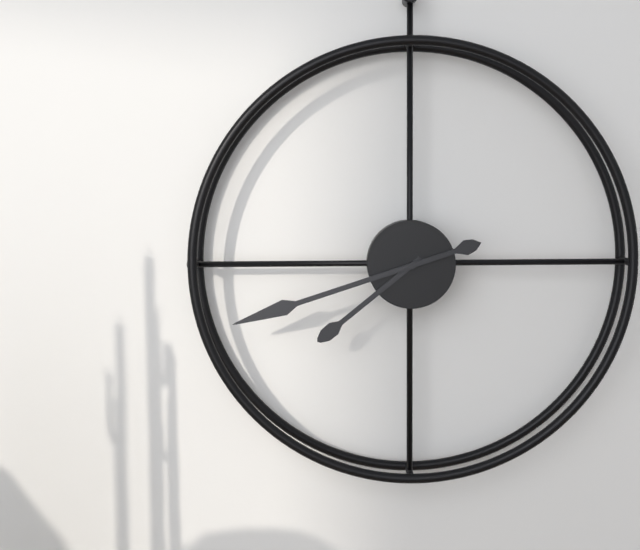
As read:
7:42
